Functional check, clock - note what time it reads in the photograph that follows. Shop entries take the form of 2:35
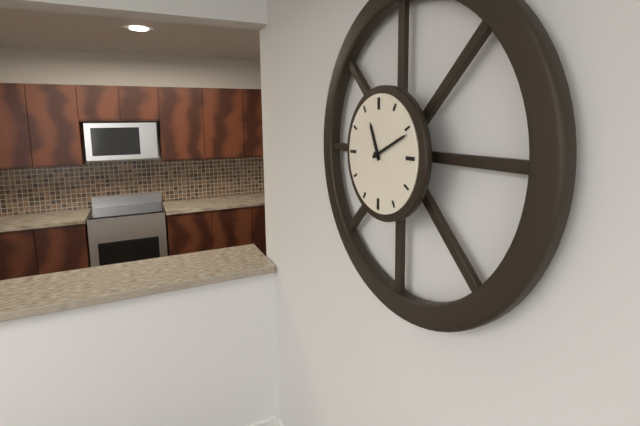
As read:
11:11
